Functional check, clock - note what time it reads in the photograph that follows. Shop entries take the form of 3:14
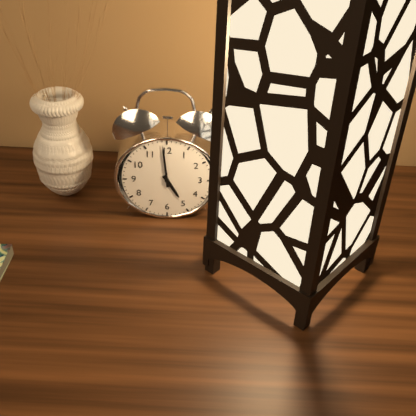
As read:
4:59
